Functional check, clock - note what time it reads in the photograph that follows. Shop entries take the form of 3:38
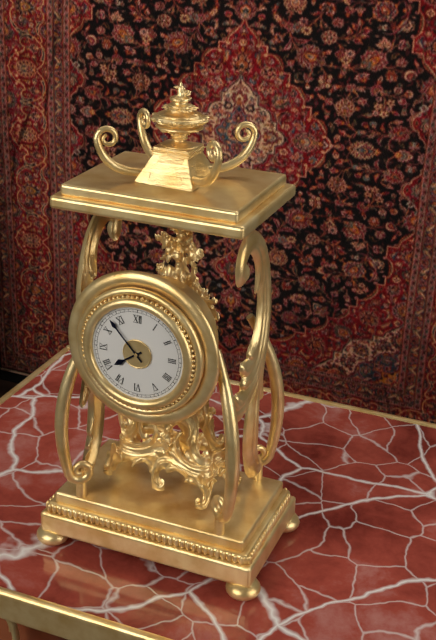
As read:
7:53
